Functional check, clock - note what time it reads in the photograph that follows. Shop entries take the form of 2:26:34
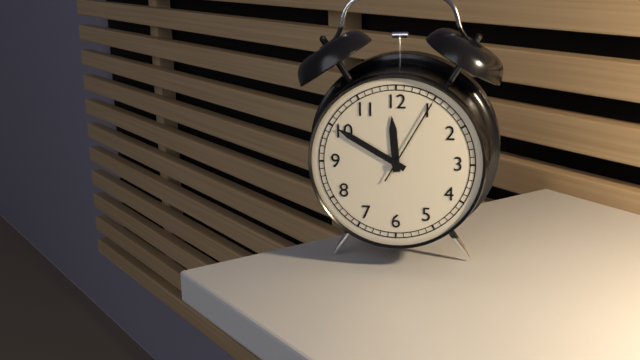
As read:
11:50:05
